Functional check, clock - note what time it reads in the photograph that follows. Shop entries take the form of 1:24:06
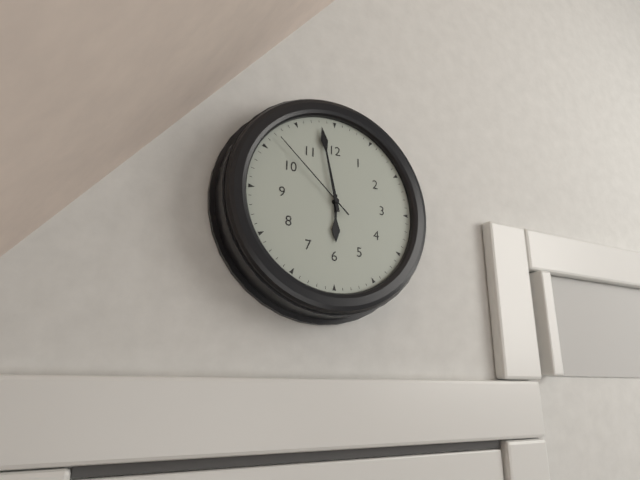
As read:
5:58:52
